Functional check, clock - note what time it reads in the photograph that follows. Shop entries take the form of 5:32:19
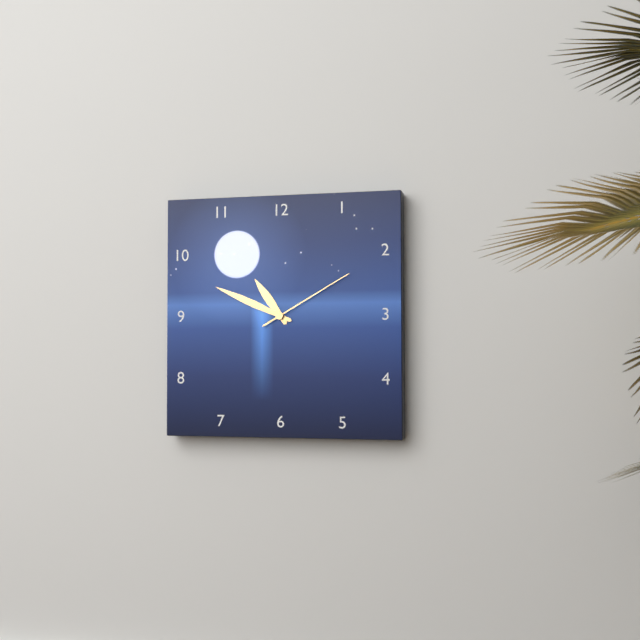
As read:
10:49:10
